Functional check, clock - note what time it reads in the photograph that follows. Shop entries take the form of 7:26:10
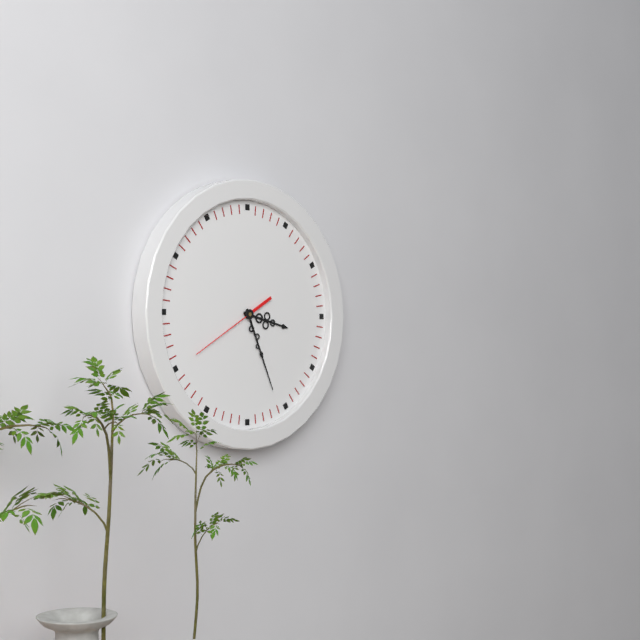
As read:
3:26:40
